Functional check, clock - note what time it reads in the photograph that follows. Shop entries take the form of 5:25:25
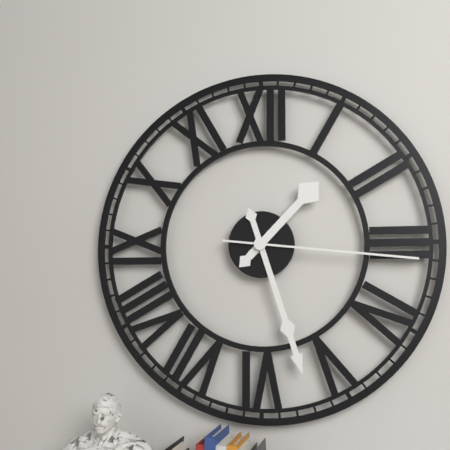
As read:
1:27:16
